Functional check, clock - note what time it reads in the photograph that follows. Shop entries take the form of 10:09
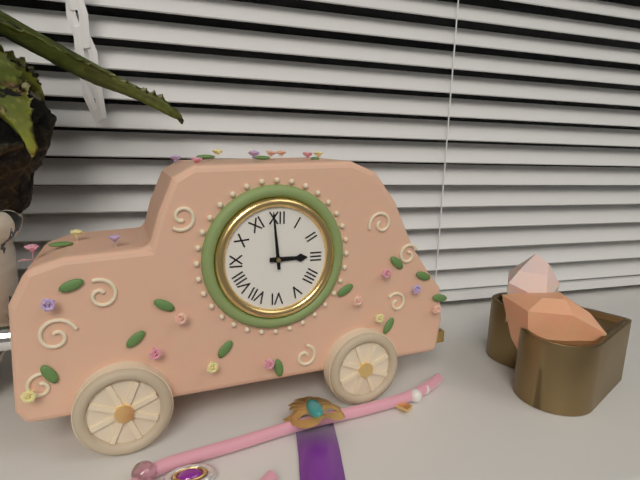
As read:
2:59
